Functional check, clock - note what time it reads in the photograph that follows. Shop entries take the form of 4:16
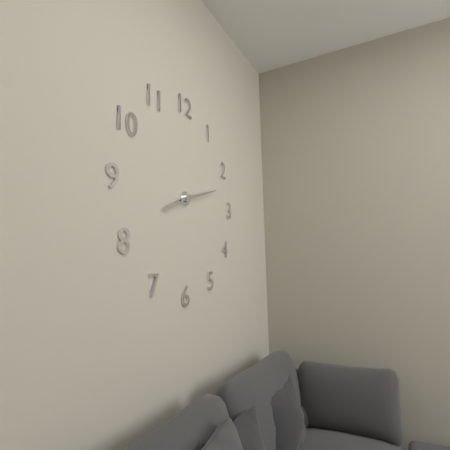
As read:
8:12
